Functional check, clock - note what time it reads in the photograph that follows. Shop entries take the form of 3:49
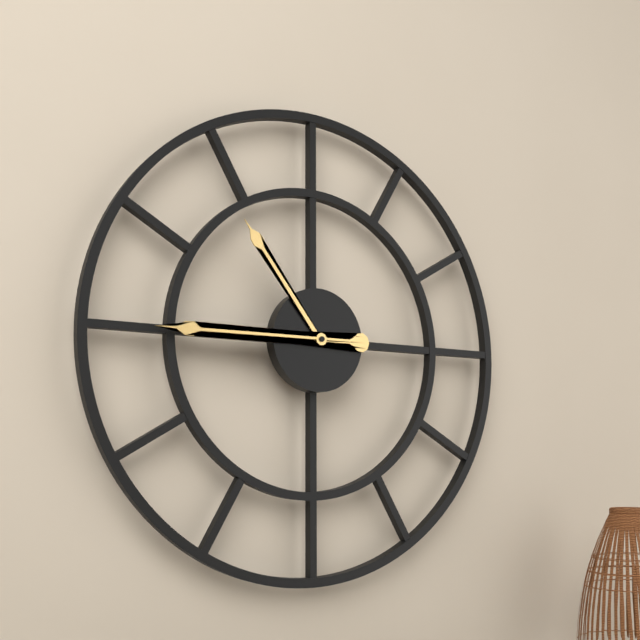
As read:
10:45
